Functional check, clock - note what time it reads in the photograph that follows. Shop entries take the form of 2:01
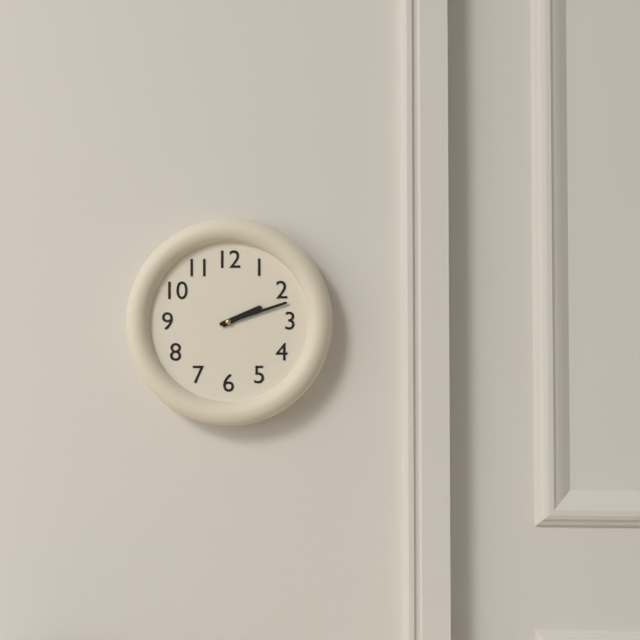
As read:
2:12
